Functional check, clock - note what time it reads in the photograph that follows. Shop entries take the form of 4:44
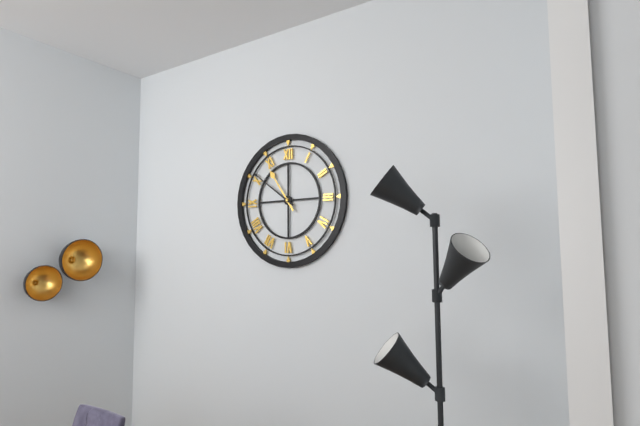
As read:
10:51
